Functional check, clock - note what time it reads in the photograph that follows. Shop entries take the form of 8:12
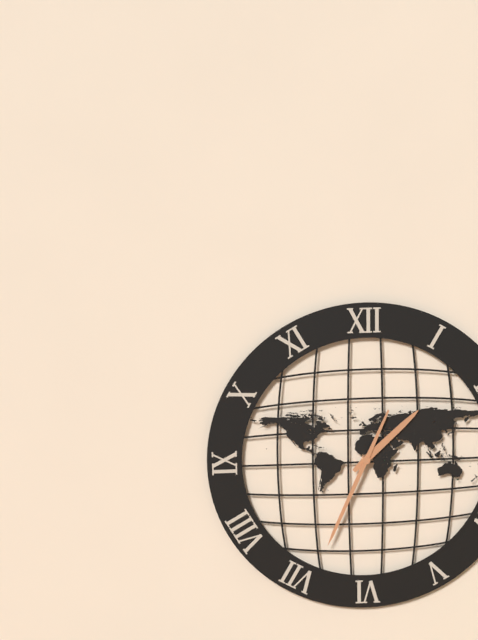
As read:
1:34
